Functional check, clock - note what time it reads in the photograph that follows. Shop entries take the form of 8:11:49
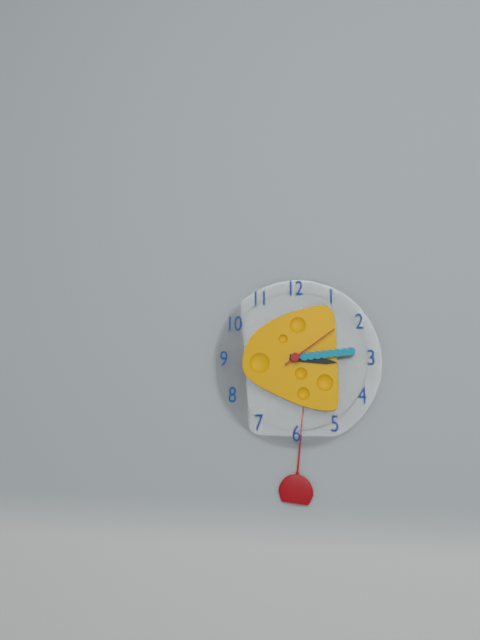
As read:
3:14:09
